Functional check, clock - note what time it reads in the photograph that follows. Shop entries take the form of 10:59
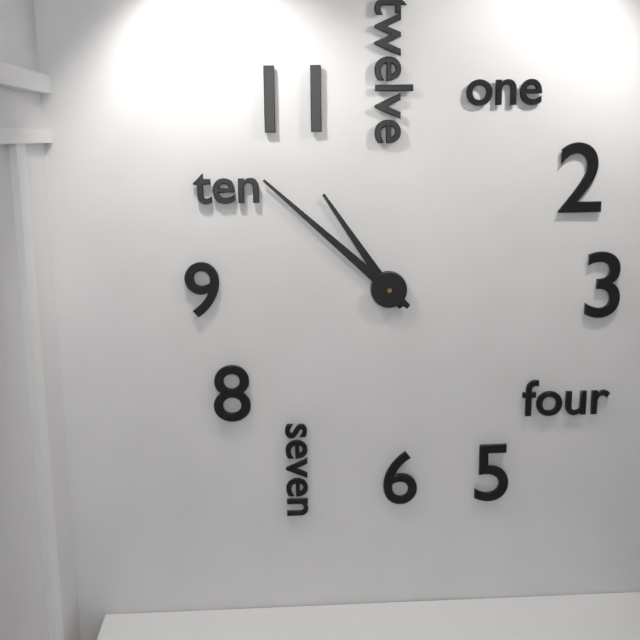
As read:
10:52
